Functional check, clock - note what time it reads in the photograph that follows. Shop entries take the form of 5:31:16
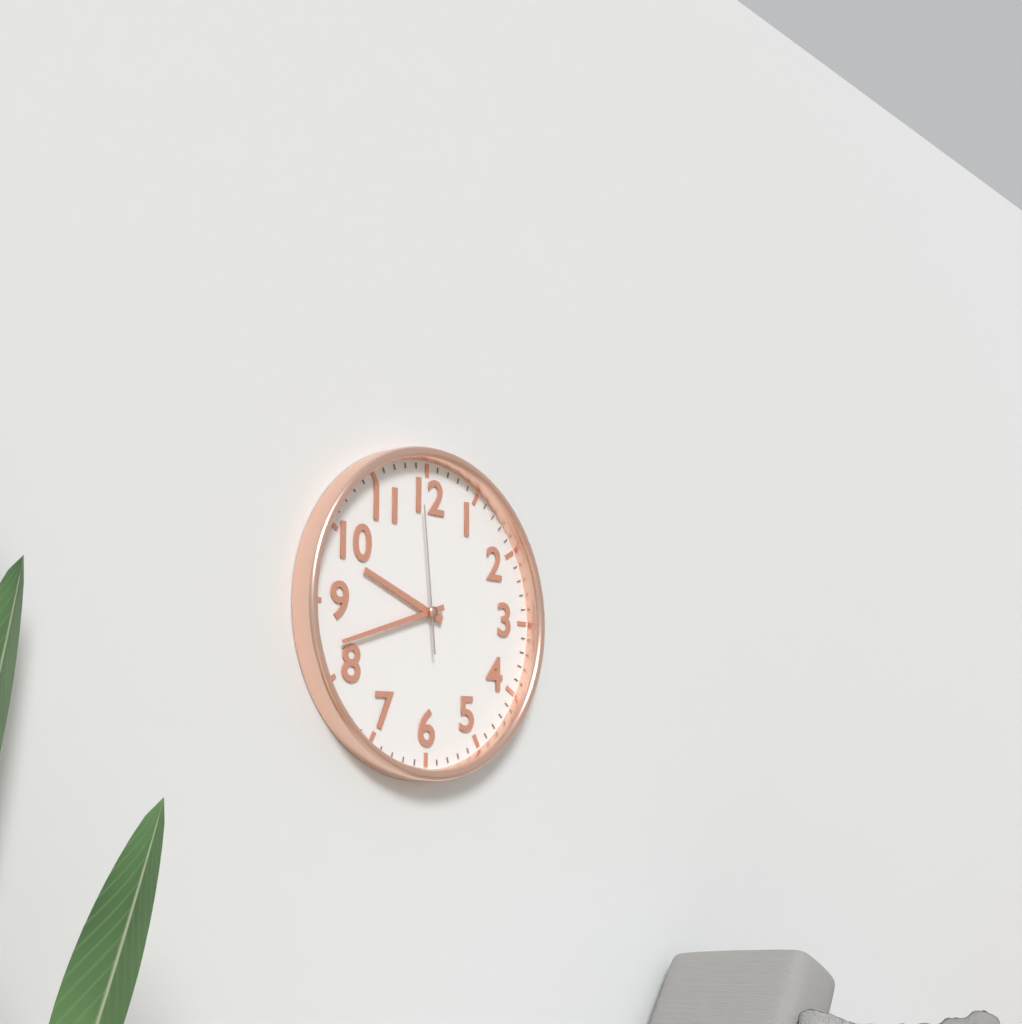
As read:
9:42:59
